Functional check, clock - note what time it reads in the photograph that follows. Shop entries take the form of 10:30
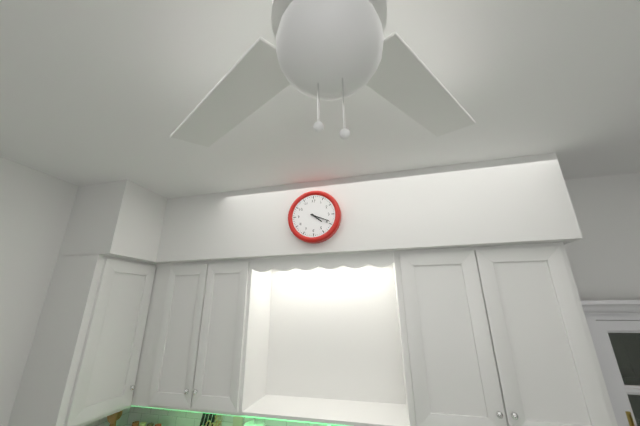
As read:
4:19
